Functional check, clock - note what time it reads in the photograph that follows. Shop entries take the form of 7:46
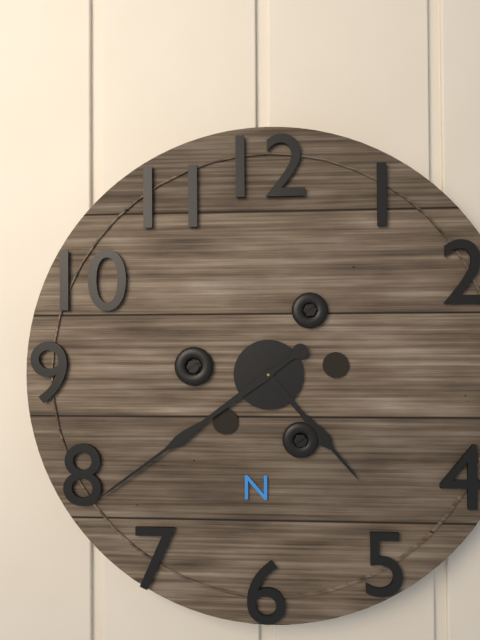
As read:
4:39
